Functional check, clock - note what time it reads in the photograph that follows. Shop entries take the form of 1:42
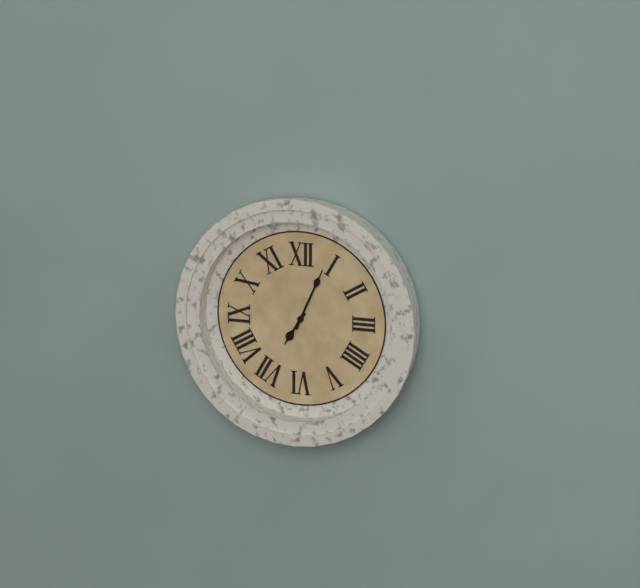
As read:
7:04
